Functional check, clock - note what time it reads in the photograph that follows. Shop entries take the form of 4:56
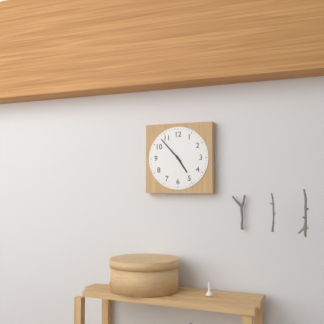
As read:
4:53
